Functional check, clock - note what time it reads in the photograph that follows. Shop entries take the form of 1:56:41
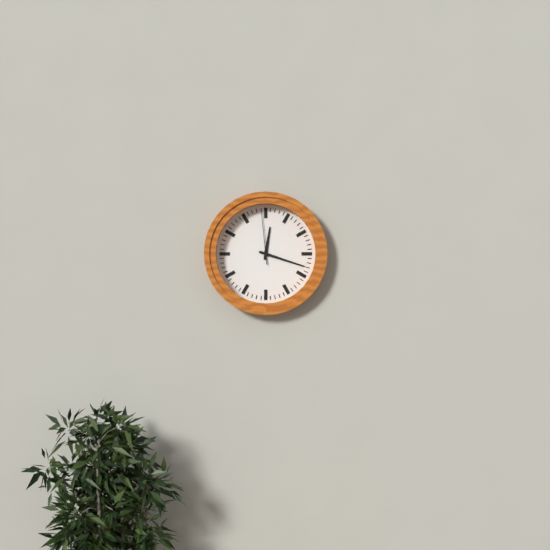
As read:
12:18:59
